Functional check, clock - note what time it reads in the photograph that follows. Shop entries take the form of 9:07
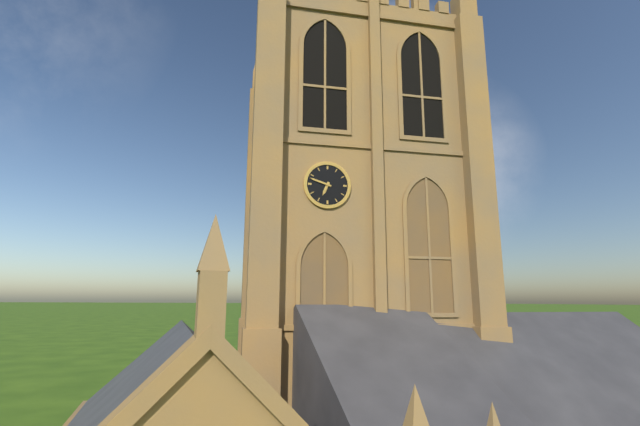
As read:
6:48
